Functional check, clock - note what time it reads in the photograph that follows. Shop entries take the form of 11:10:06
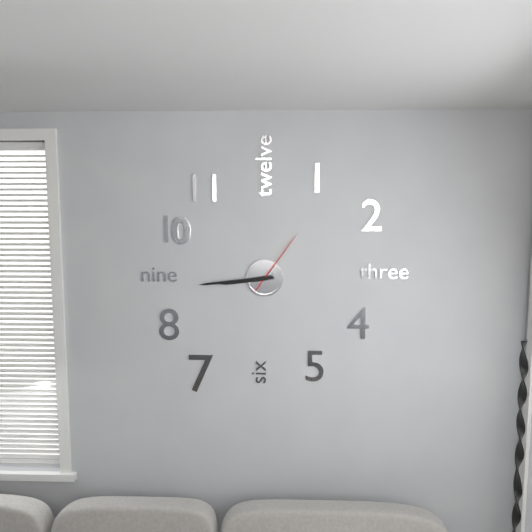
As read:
8:44:06
